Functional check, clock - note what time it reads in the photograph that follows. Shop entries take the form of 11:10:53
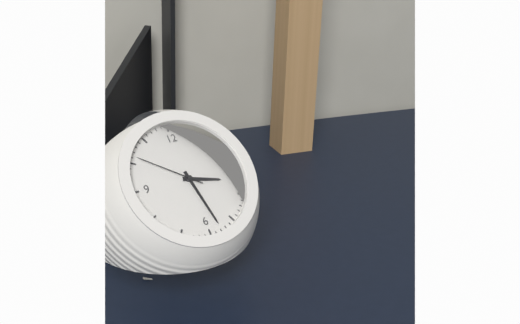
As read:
3:28:51
